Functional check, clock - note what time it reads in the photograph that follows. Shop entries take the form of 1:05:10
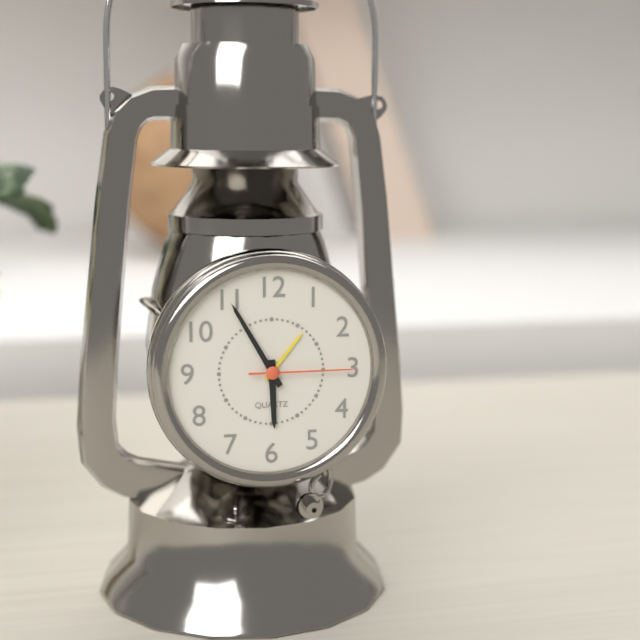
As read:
5:55:15
